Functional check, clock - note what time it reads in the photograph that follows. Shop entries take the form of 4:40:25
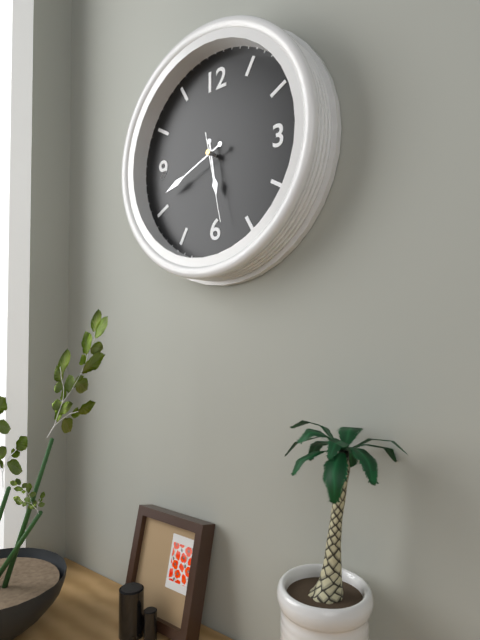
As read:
5:41:28
